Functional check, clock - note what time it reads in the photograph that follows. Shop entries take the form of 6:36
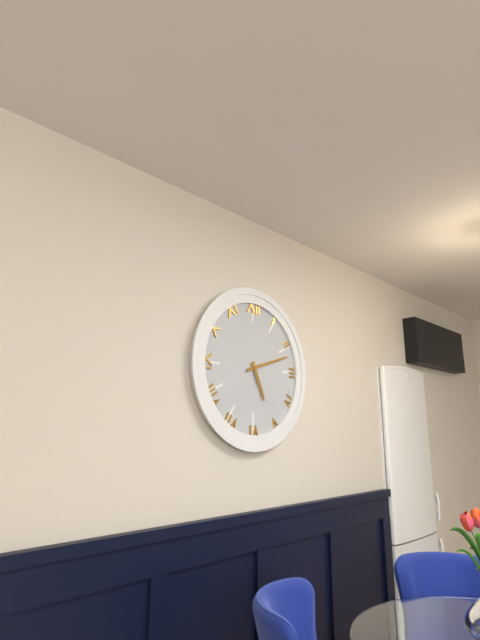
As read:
5:12
